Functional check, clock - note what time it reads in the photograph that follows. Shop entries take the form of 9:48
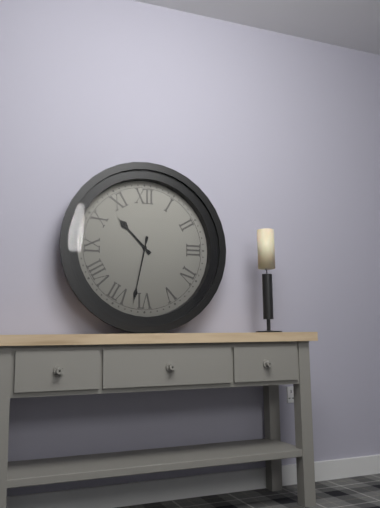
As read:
10:32
